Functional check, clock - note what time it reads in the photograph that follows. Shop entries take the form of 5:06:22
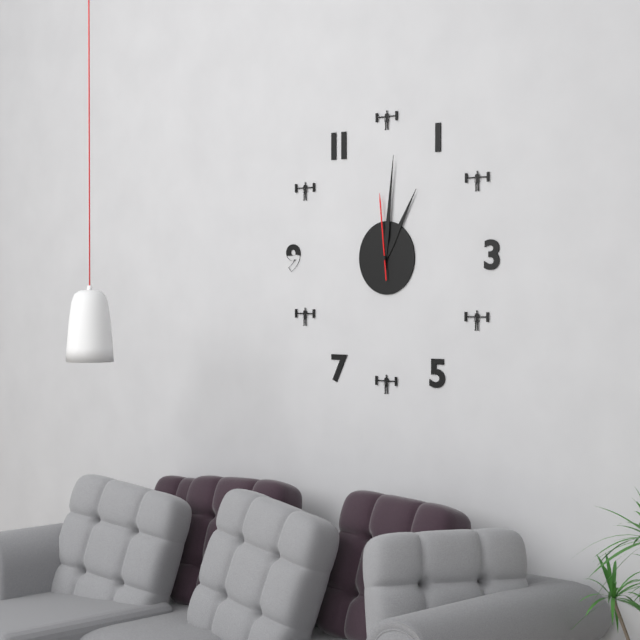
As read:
1:01:59
